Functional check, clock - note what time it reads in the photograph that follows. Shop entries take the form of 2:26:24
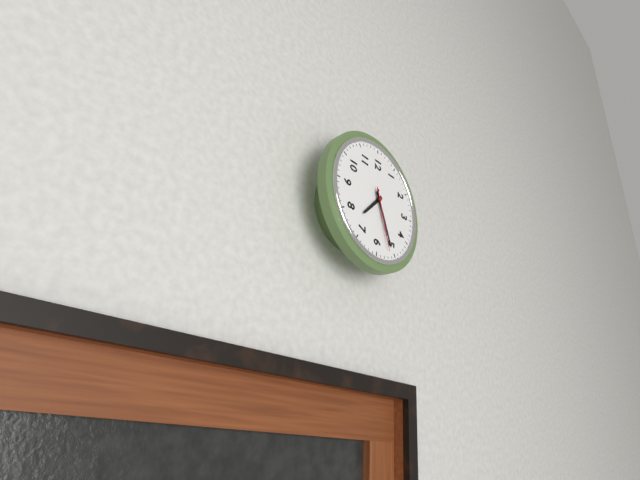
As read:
7:26:27
